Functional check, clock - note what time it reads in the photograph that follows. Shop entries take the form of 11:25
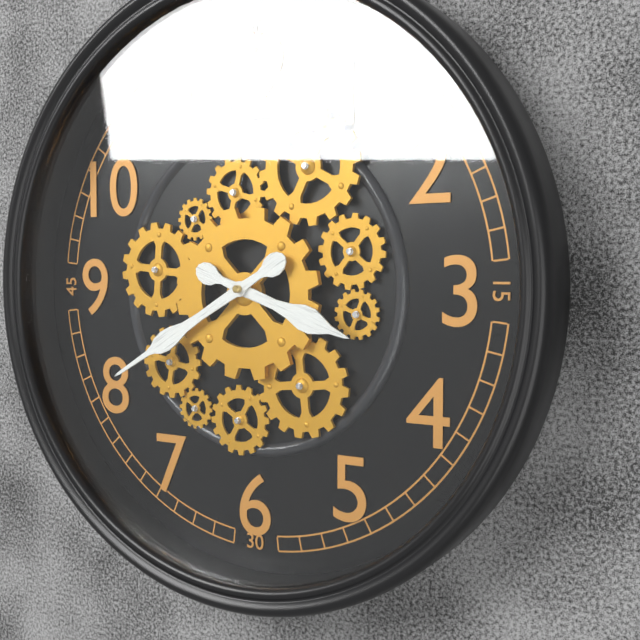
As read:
3:40
